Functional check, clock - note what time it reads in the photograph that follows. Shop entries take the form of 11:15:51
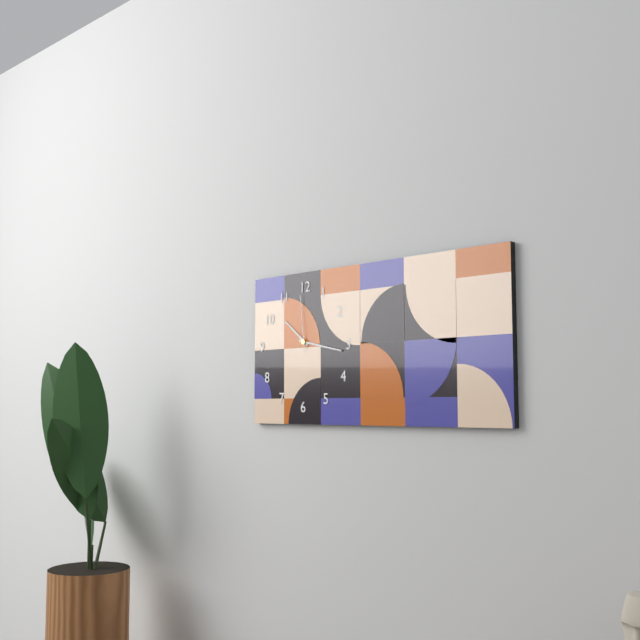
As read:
10:17:59
